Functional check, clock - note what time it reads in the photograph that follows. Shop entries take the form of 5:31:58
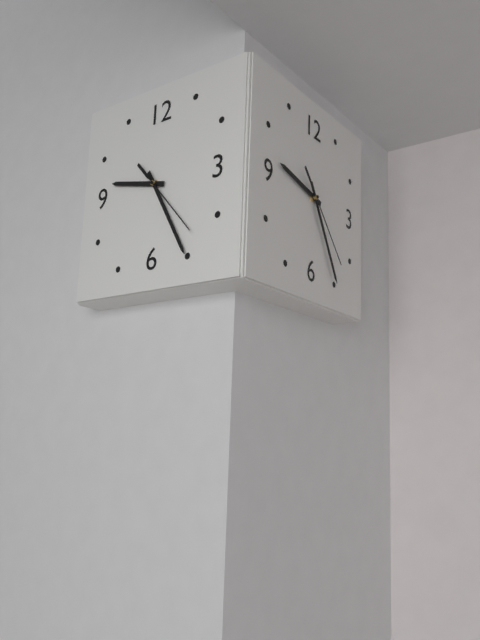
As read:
9:25:23
